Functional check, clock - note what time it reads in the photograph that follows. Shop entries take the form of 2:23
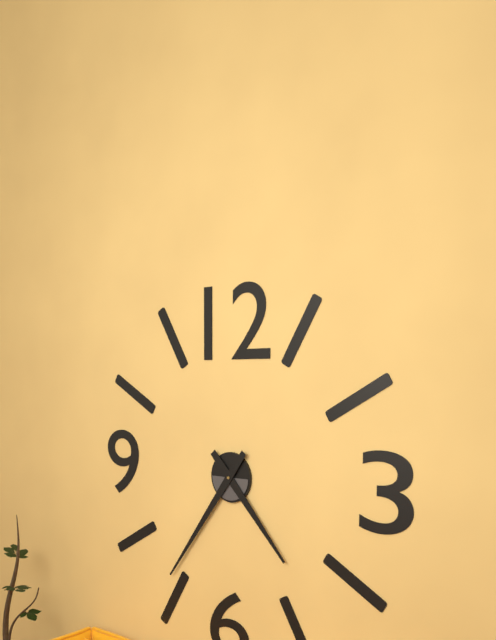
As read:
4:36
